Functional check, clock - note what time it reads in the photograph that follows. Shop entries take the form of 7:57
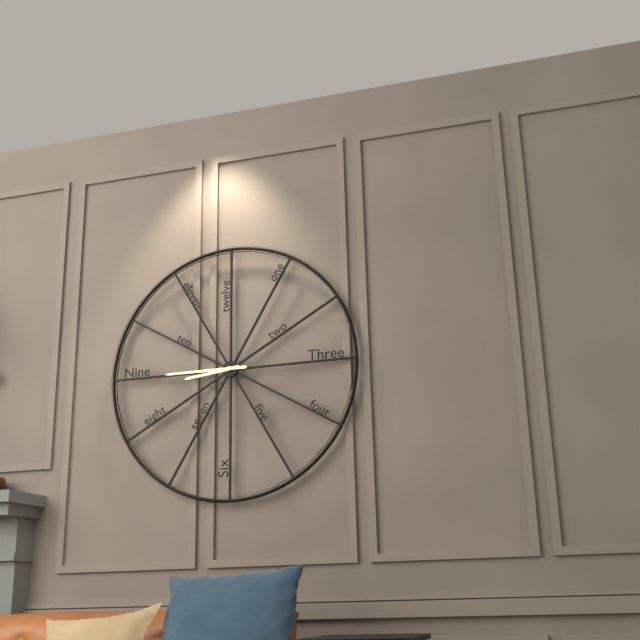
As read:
8:45
